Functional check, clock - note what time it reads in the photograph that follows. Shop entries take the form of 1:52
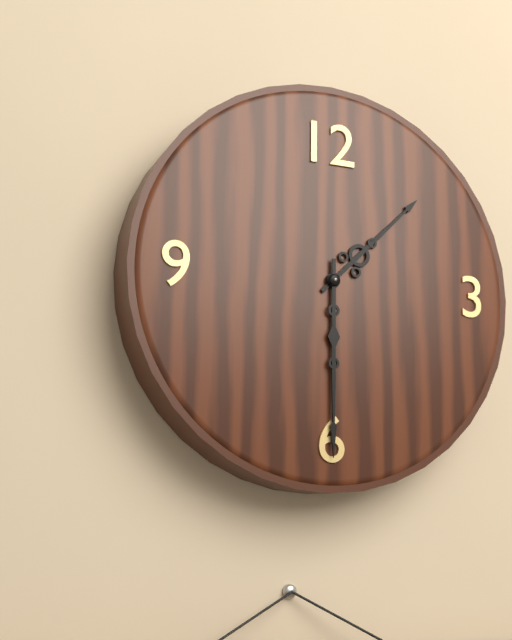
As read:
1:30
